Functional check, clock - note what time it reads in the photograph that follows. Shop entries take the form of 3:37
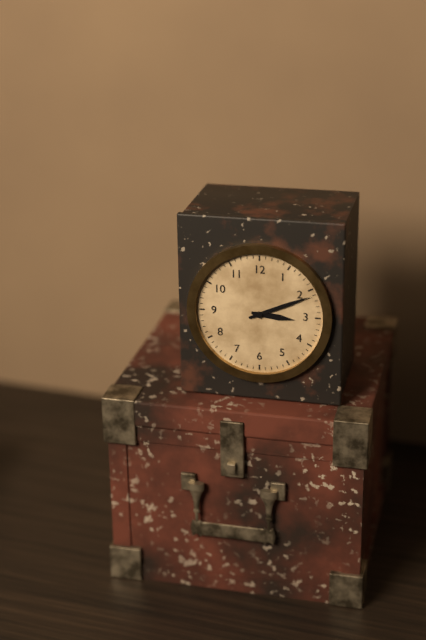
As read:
3:11
